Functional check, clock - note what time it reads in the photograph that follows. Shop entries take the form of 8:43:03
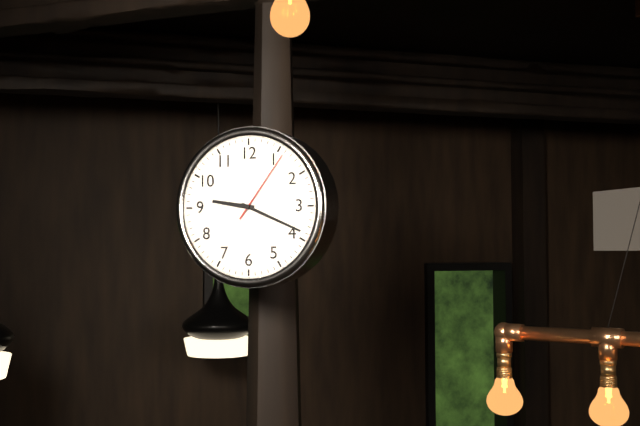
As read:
9:19:06
